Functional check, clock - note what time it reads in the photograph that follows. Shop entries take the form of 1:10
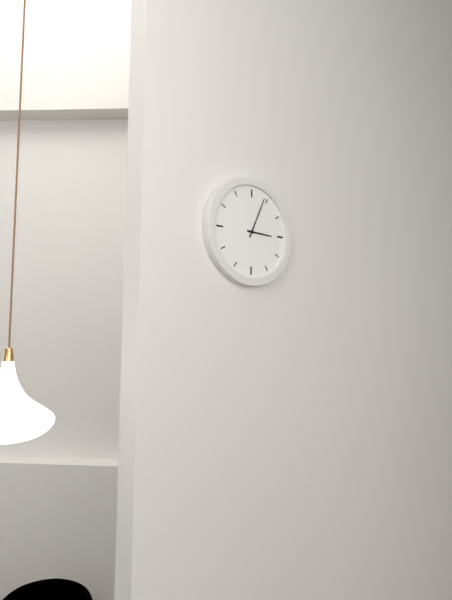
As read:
3:04
